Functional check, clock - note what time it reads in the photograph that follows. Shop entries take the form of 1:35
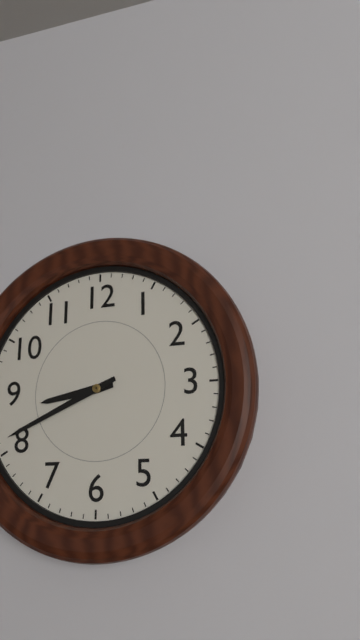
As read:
8:41
